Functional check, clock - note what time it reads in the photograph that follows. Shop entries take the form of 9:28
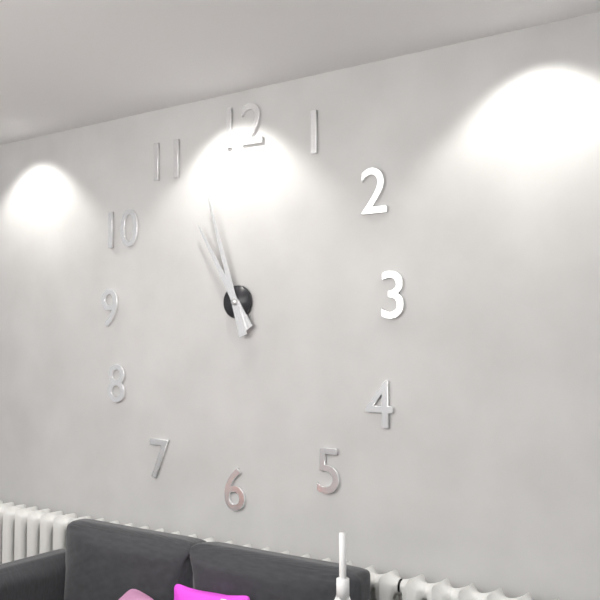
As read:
10:57
